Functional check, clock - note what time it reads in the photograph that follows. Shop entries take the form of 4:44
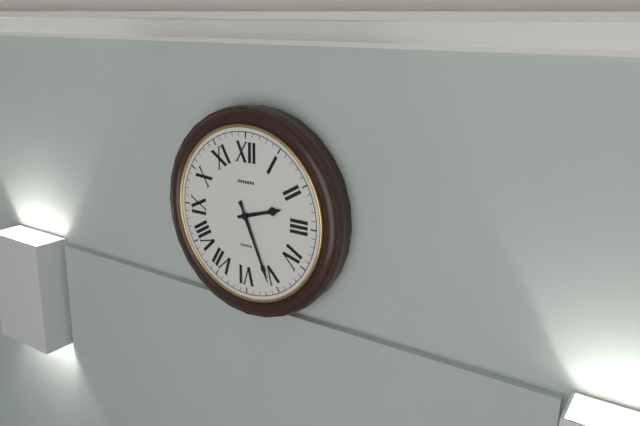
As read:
2:26
